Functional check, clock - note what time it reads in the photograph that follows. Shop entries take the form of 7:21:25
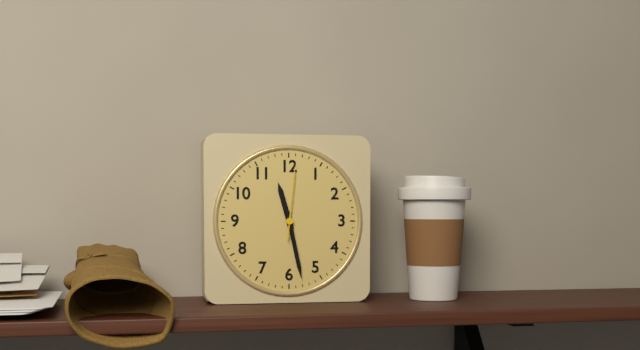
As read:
11:28:01
